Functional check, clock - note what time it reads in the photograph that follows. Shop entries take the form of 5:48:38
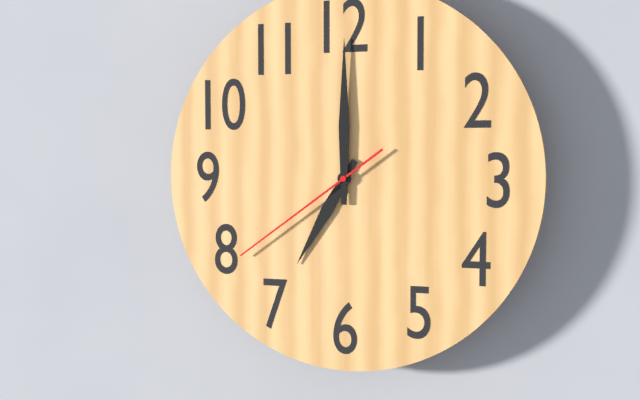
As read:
7:00:39
